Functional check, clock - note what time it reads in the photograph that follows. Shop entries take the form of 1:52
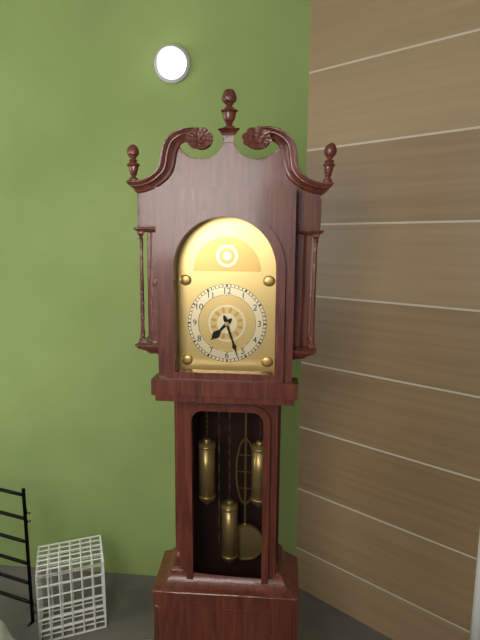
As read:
7:27
